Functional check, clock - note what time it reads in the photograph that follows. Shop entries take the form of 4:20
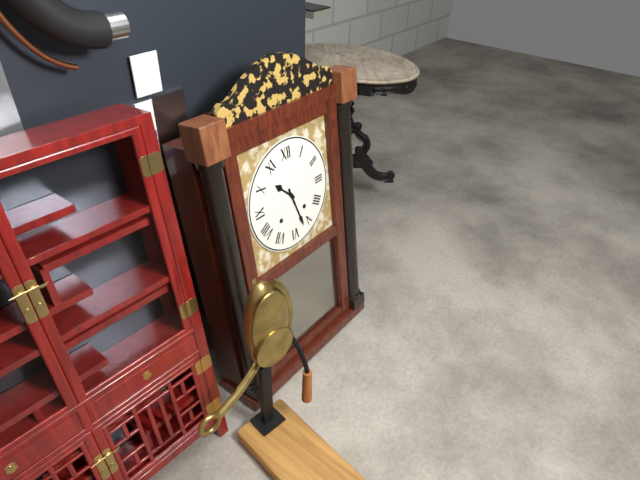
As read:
10:27
